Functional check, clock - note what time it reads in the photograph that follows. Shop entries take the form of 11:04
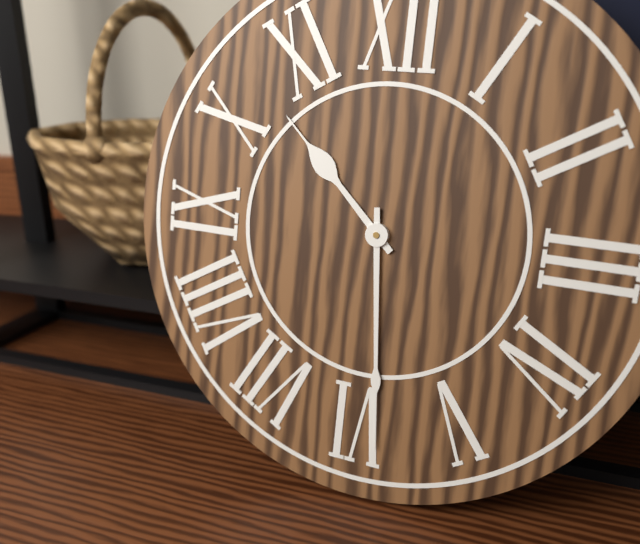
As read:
10:29
